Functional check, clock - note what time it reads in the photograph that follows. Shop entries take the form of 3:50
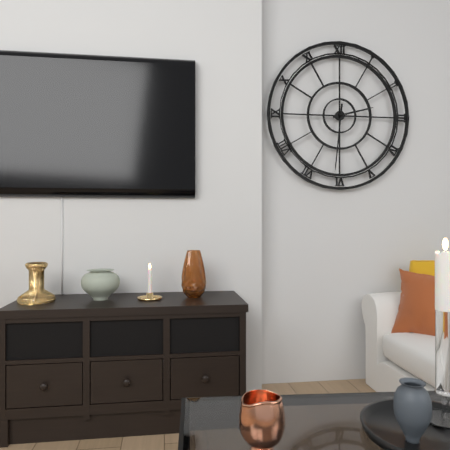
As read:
2:31
